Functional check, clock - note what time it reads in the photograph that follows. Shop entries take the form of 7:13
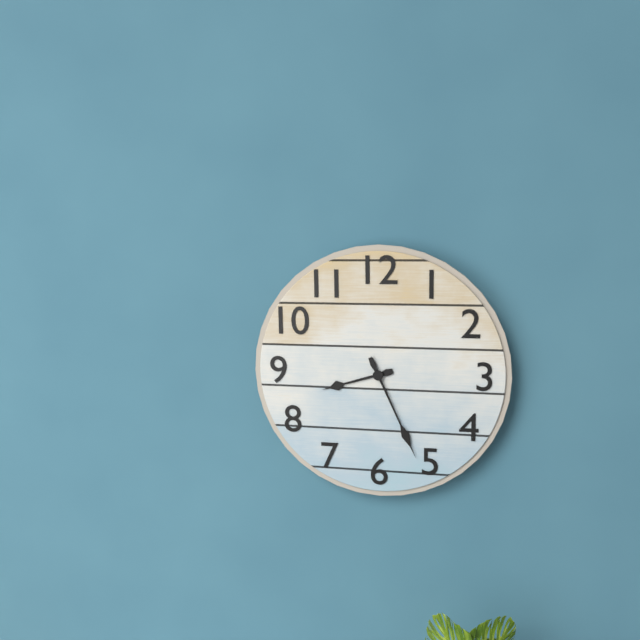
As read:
8:26
